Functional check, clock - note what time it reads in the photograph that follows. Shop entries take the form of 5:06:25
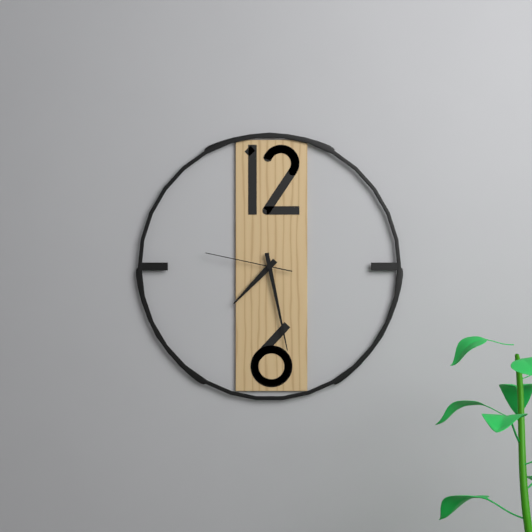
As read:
7:28:47
